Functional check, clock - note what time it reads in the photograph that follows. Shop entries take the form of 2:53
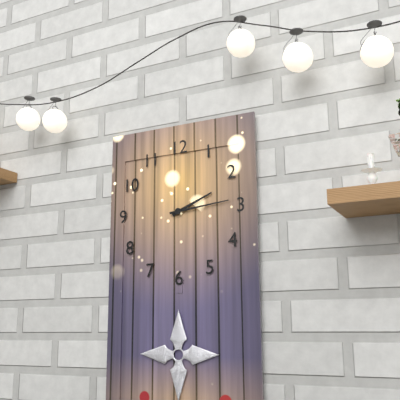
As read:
2:14
